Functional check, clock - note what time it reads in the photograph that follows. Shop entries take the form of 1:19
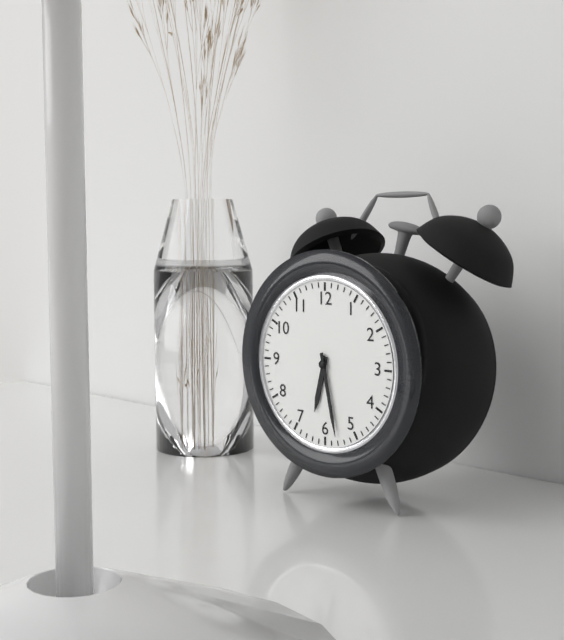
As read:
6:28
